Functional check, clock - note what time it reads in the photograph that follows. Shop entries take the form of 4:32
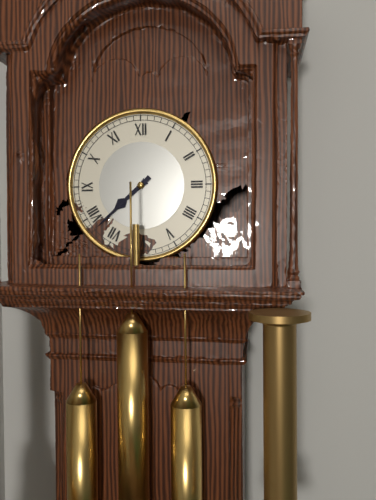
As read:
7:38
